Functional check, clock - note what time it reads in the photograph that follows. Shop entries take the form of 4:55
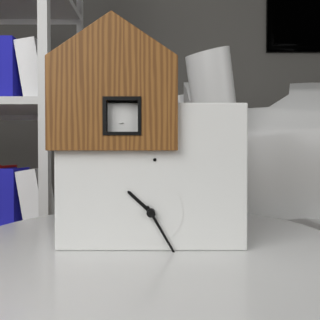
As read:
10:25
